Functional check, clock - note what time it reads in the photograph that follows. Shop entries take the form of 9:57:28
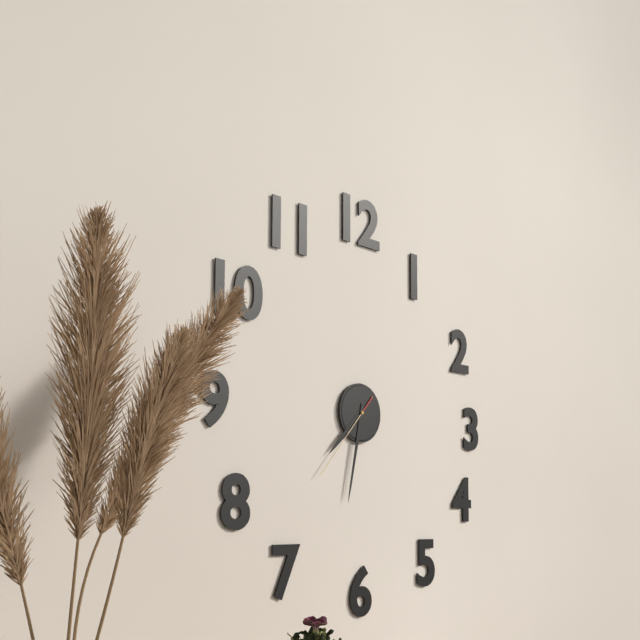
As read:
7:32:37
